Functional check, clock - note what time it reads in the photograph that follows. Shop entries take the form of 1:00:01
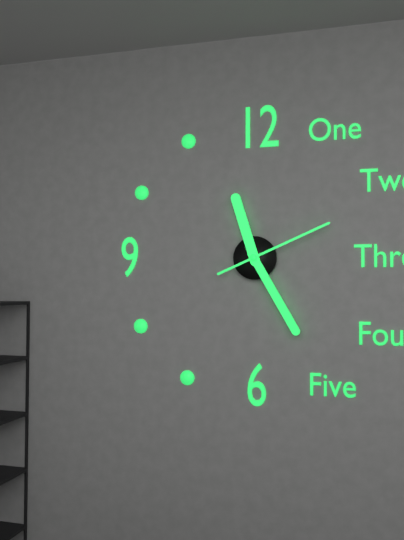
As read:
11:25:11
